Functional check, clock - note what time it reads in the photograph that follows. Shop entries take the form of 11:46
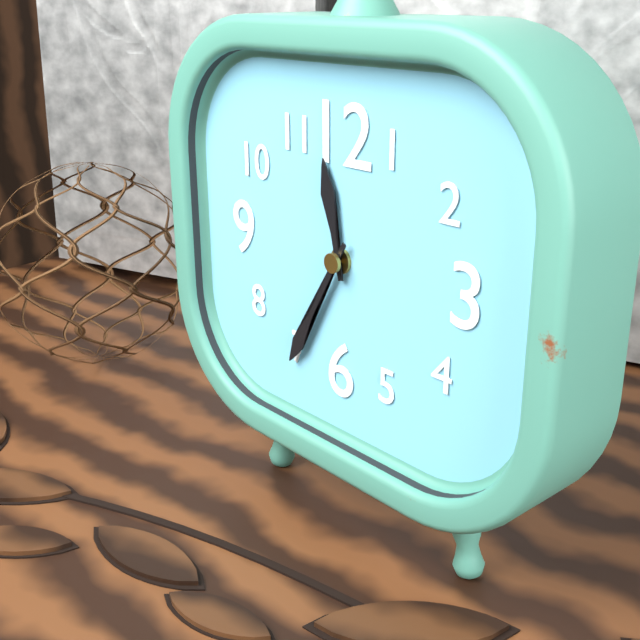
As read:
11:35
